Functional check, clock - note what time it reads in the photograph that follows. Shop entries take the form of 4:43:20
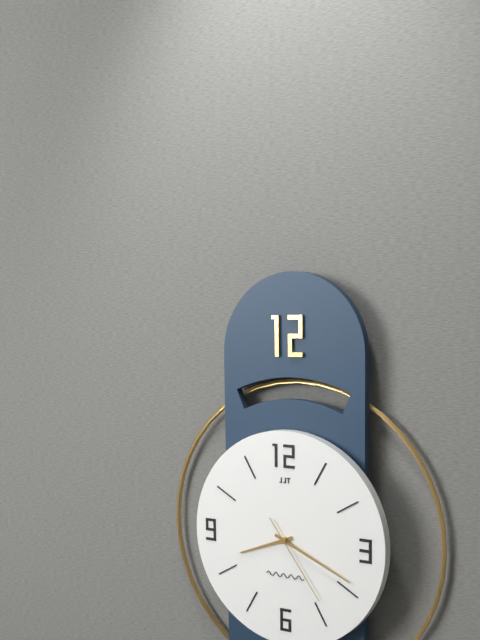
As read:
8:19:24
